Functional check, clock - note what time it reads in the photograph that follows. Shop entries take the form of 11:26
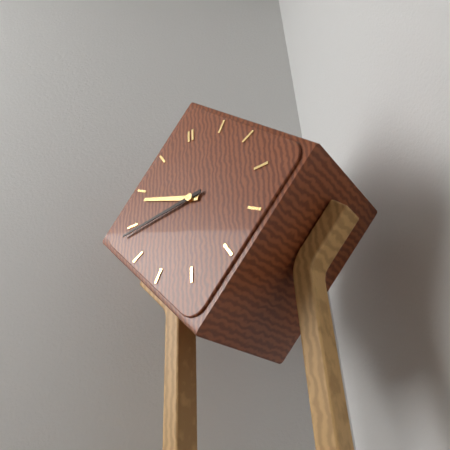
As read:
9:44
